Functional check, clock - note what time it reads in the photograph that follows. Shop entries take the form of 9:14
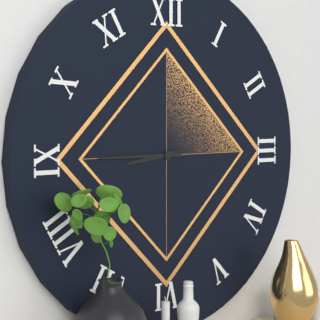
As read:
8:45
